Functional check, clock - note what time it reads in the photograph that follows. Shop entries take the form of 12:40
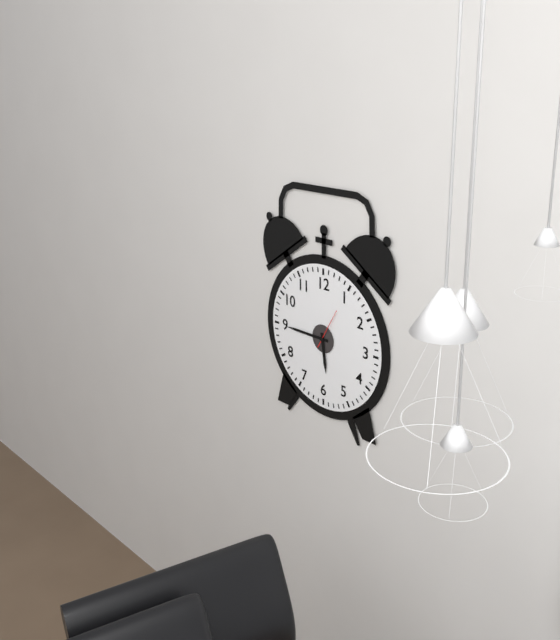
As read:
5:45
